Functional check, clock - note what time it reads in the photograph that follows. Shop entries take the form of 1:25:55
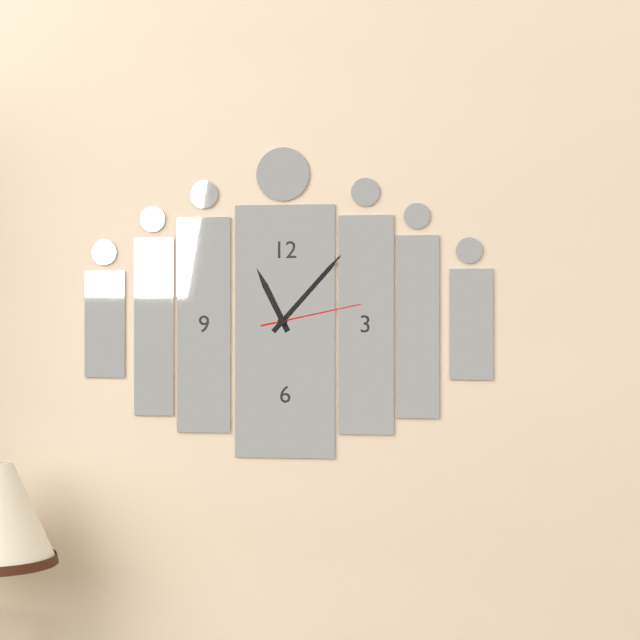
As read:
11:07:13
